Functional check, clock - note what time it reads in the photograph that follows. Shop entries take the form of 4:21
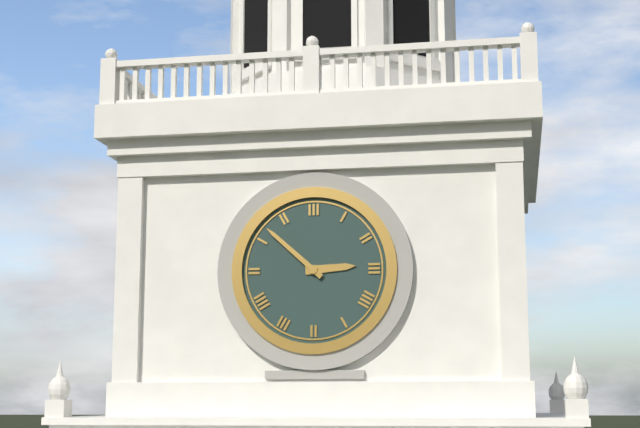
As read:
2:52
